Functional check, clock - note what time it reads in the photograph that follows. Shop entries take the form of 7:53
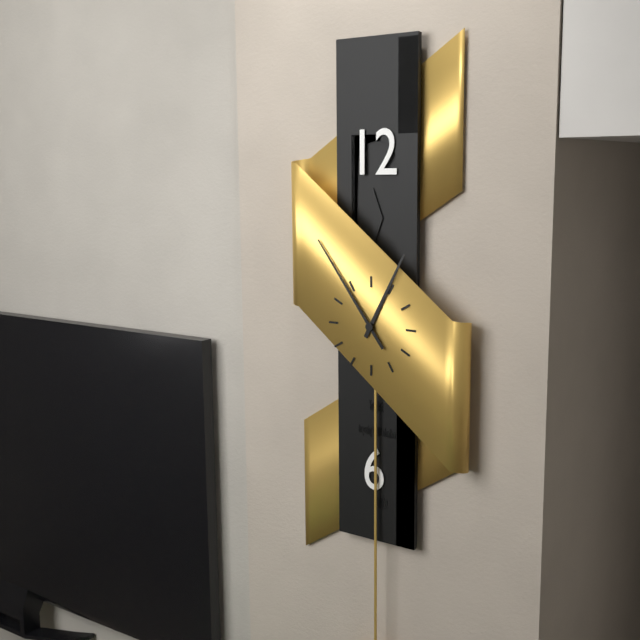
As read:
12:54
